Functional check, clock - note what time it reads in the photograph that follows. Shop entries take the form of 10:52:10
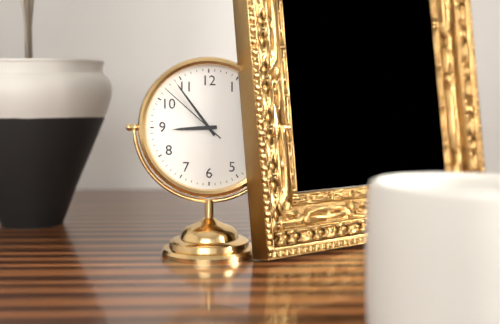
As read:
8:54:52
